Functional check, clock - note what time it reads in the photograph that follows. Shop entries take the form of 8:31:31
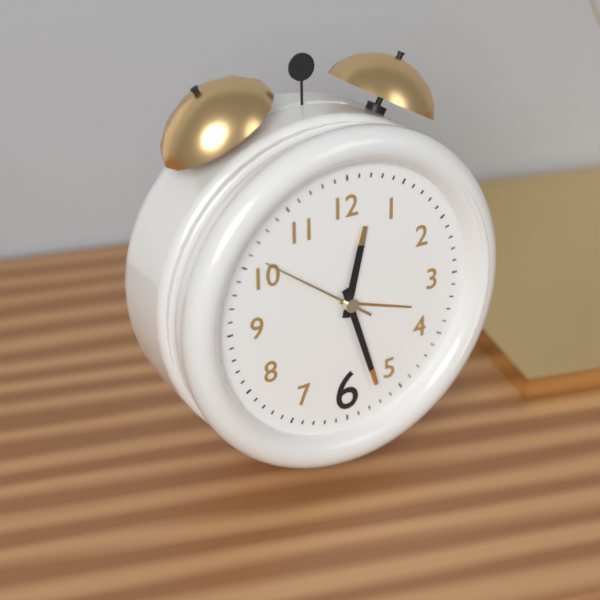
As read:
12:27:51
